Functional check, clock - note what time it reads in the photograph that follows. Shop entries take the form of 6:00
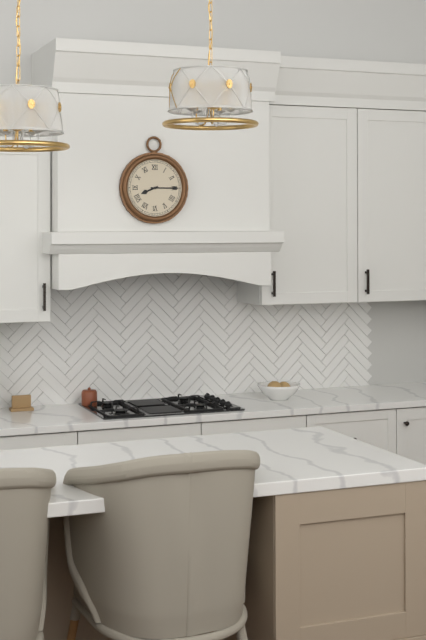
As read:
8:15
